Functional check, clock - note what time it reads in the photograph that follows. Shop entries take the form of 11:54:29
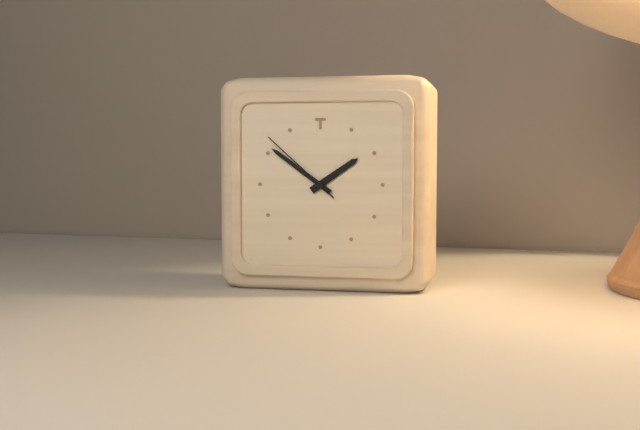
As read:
1:51:52
